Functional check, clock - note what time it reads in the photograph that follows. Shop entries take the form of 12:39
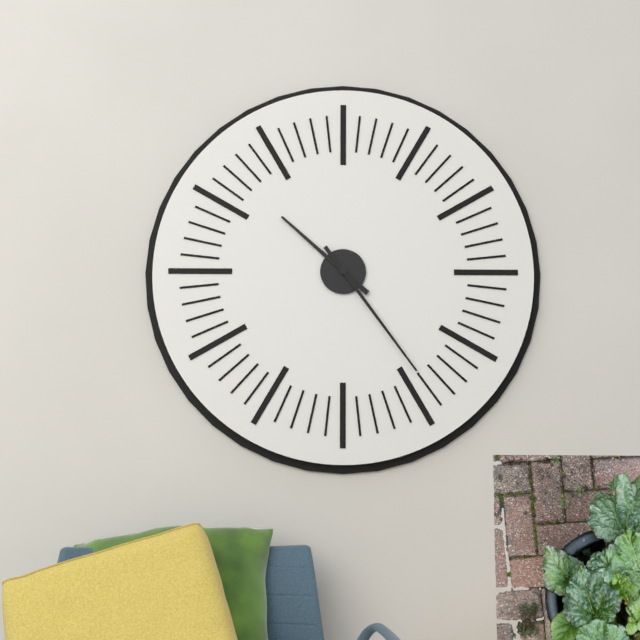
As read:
10:24
